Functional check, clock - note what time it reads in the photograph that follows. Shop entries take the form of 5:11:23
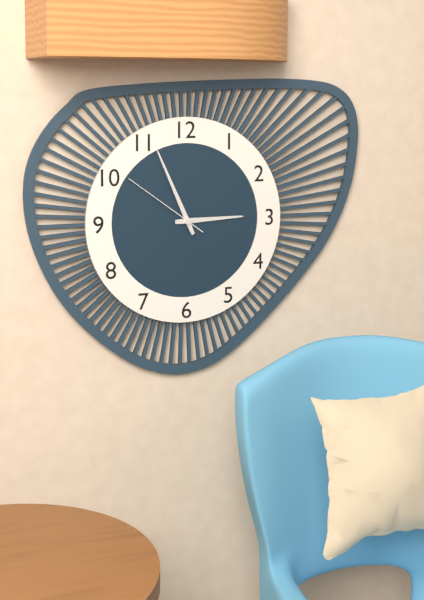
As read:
2:56:51
